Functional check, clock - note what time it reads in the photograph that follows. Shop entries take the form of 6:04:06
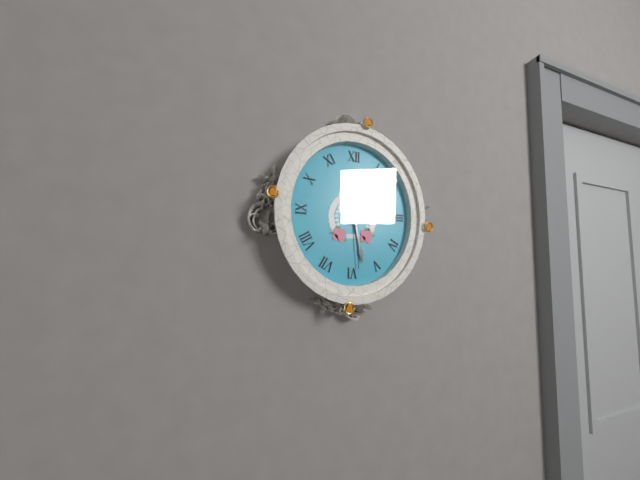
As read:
1:28:29
